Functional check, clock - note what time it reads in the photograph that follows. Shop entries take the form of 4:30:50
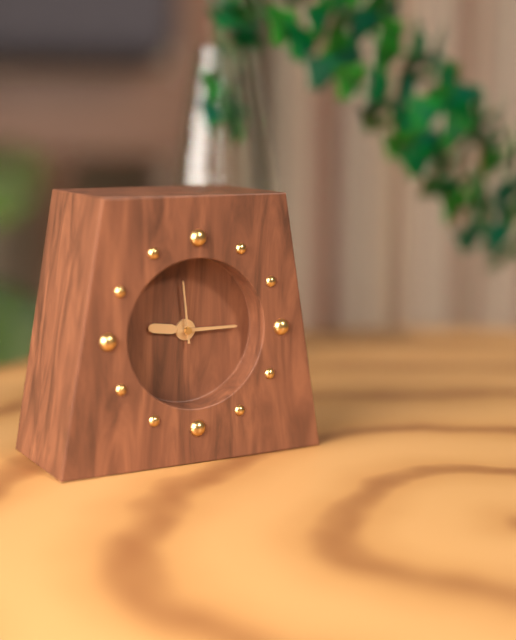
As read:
9:15:59
